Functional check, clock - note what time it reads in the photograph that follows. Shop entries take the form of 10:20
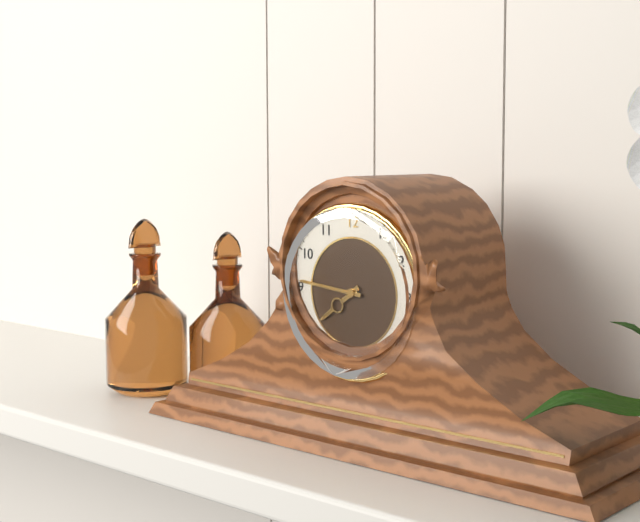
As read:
7:46
